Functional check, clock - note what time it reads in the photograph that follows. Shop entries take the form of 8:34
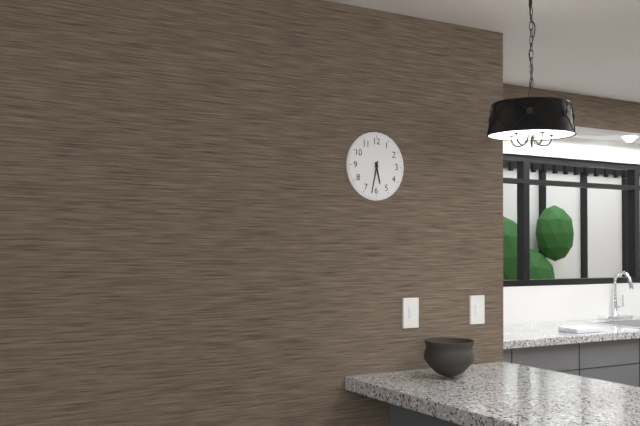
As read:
5:32
